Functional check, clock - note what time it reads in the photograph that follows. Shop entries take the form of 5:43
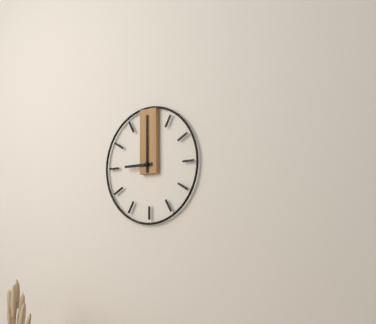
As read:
9:00
